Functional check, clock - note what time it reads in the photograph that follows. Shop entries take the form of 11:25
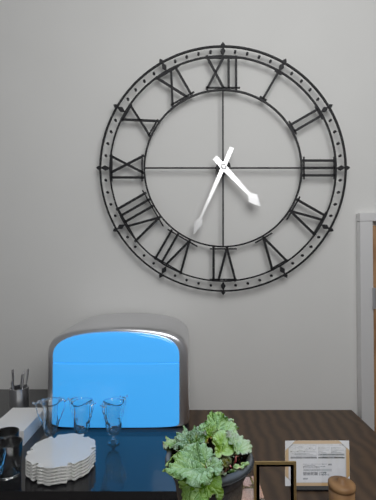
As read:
4:34
